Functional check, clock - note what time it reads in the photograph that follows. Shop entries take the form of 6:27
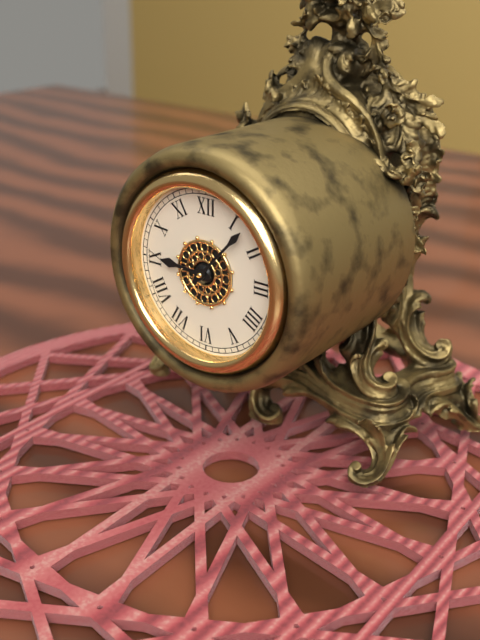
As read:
9:07
